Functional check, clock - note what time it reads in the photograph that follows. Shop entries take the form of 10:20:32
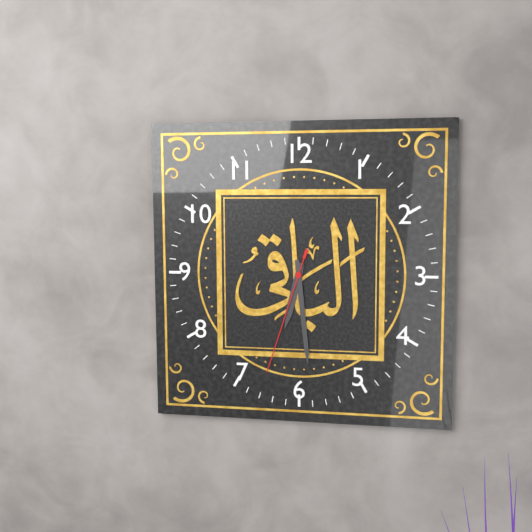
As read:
6:29:33
